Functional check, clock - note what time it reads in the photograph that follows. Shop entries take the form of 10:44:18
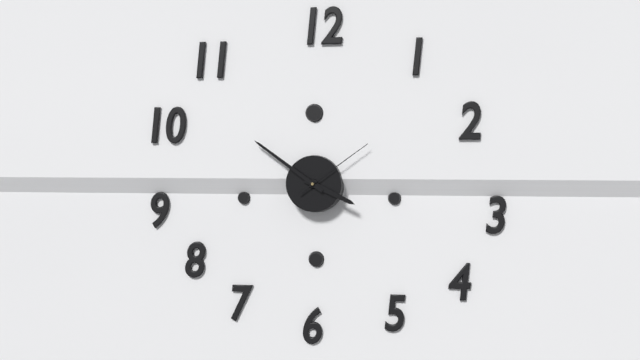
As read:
3:51:09
